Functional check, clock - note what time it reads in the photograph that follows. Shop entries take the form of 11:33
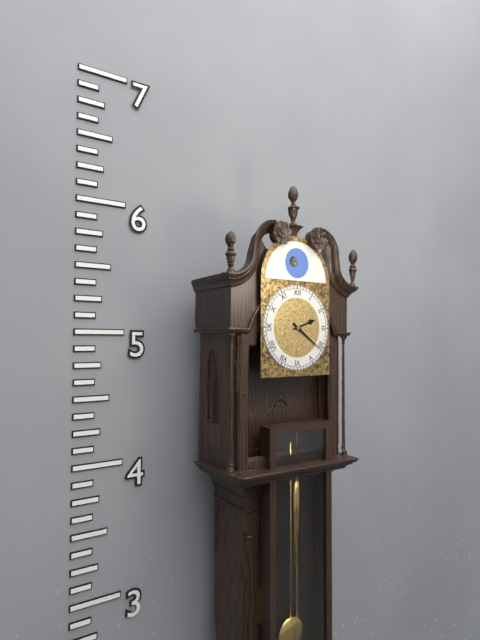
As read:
2:21
